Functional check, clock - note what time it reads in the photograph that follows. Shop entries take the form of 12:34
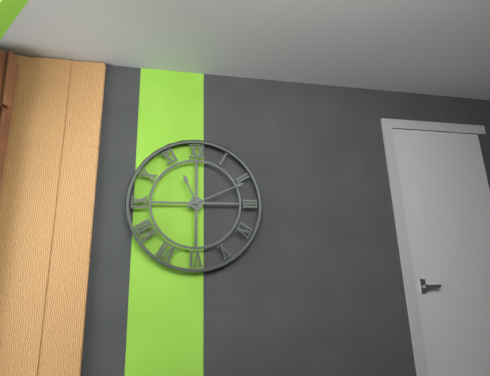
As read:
11:11
